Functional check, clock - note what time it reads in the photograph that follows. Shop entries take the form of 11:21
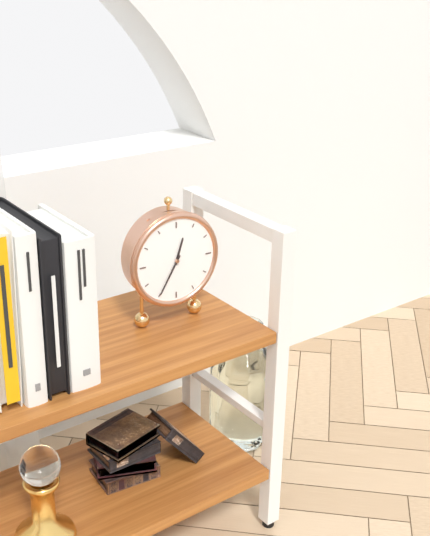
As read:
12:35
